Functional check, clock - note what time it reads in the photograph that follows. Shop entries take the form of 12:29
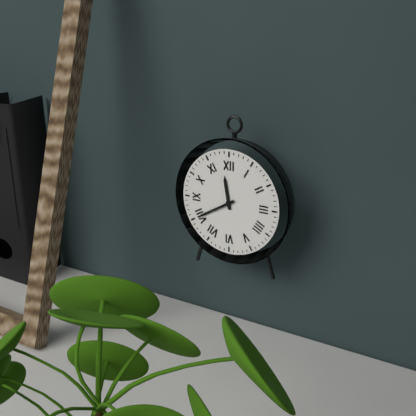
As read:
11:40
